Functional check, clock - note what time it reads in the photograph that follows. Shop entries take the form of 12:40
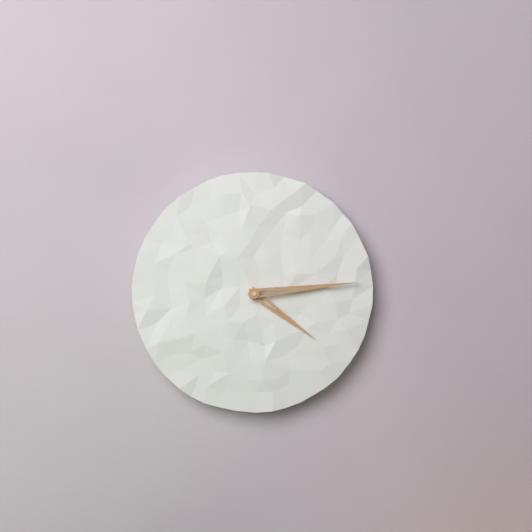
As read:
4:14
